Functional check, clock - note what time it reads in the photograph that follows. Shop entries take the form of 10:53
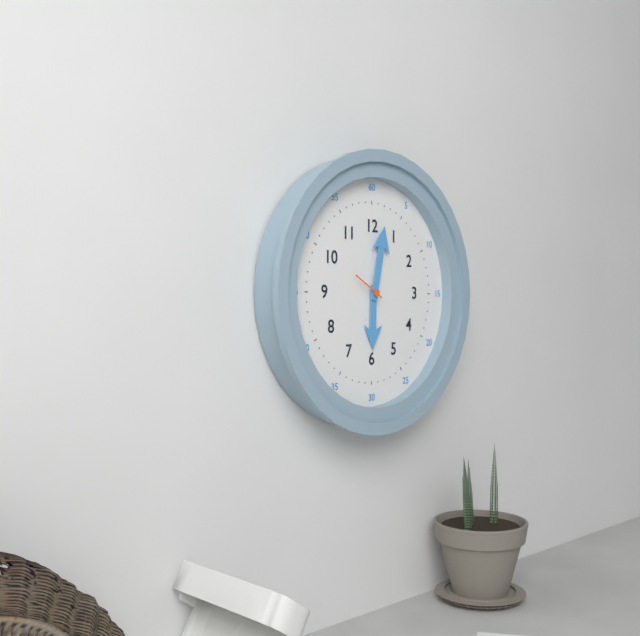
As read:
6:02
